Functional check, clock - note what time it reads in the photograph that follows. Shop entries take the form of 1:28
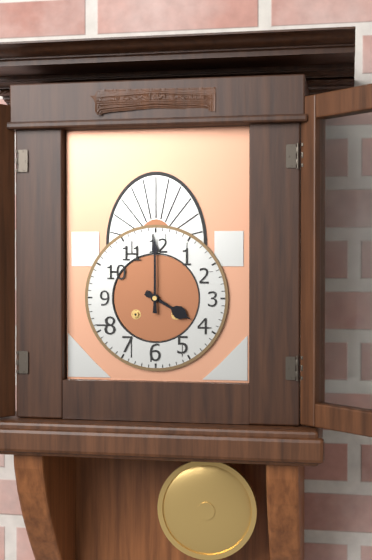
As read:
4:00
